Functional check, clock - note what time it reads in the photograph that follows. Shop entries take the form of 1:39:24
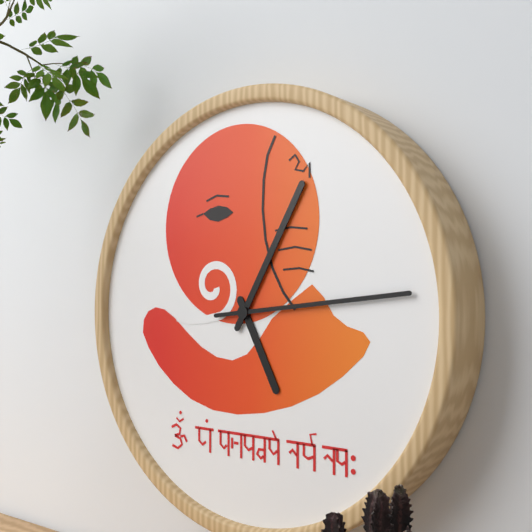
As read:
5:05:14
